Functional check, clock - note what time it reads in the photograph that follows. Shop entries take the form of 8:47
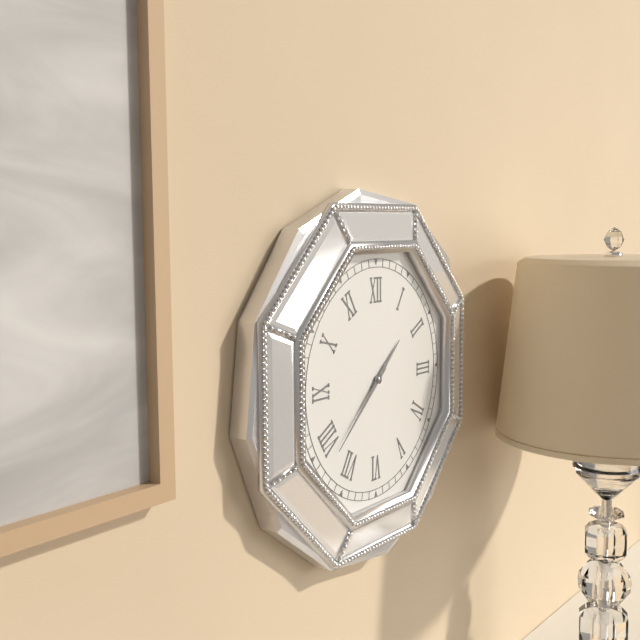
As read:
1:38
